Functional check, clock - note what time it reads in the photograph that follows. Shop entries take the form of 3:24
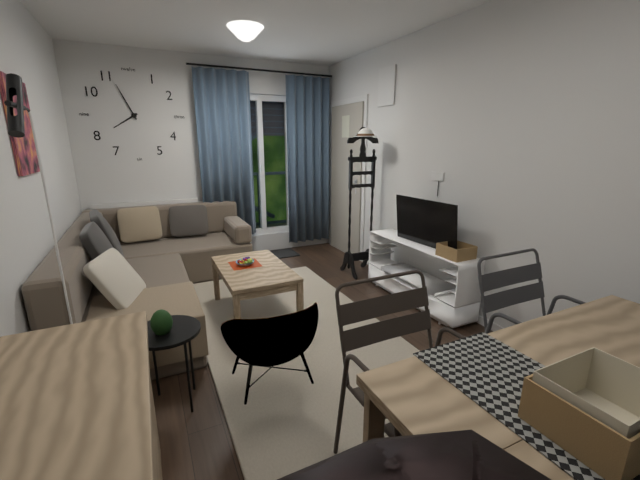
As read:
7:56
